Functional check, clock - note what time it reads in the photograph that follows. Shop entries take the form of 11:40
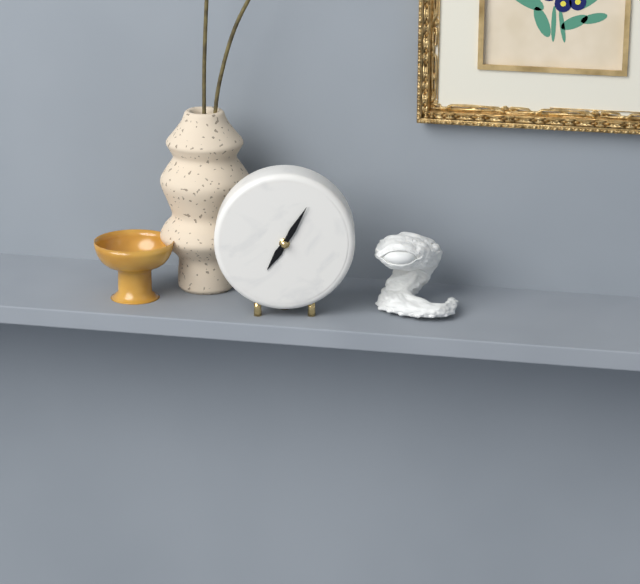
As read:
7:05
